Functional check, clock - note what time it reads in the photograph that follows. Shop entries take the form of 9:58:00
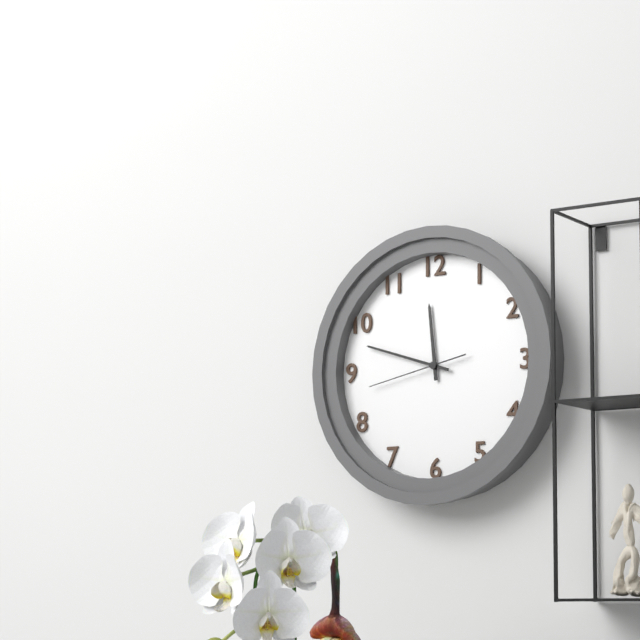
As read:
11:48:43
